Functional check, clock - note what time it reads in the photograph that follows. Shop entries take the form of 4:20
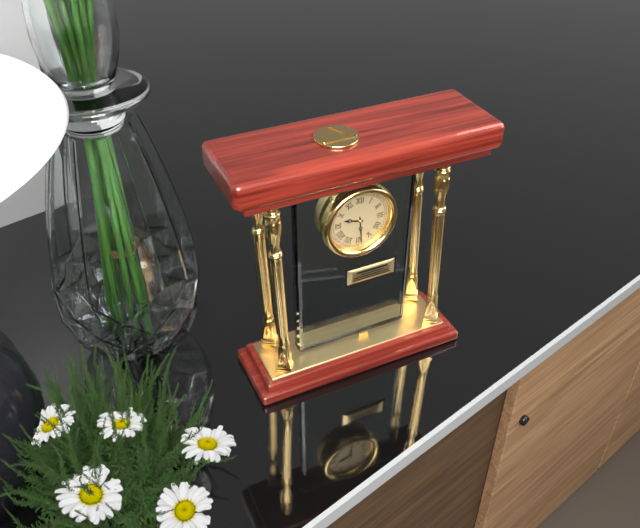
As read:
9:29
